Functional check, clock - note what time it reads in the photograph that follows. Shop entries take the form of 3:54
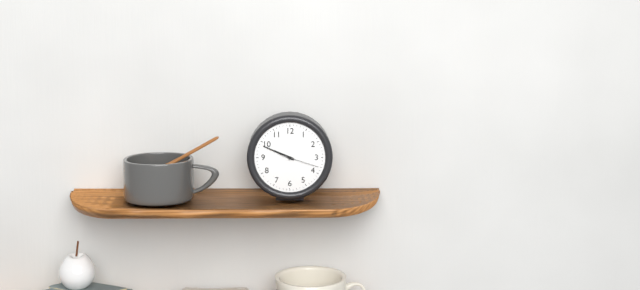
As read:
9:49
